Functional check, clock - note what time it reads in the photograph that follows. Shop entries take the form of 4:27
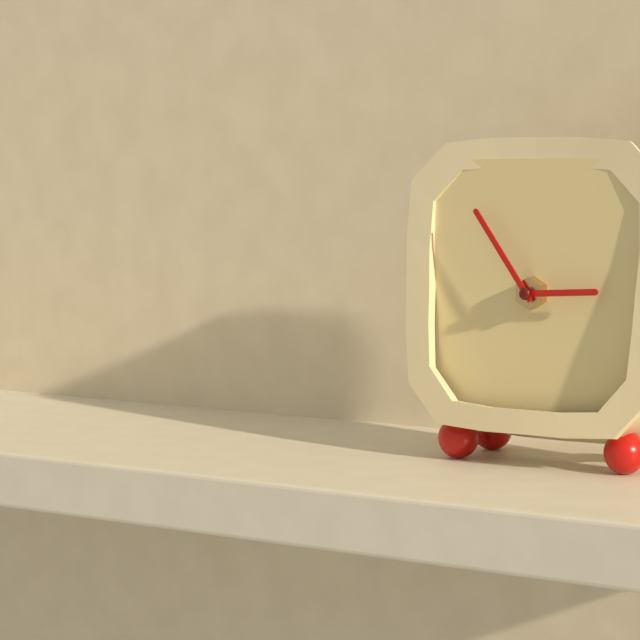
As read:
2:54
